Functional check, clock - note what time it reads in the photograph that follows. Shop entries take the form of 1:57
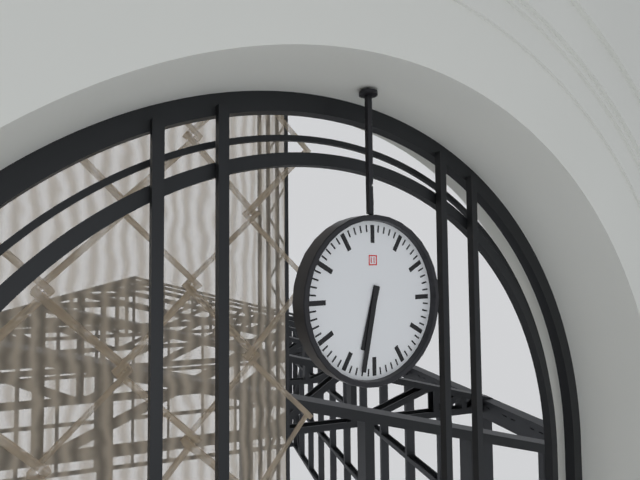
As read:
6:32
